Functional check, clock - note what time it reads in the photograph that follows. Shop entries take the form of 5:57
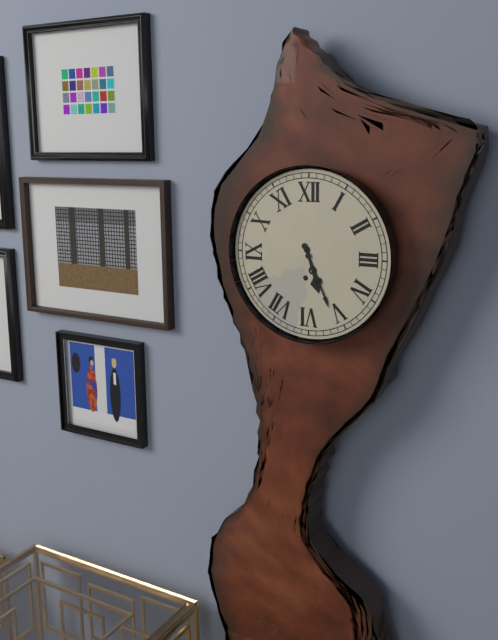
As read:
5:26
